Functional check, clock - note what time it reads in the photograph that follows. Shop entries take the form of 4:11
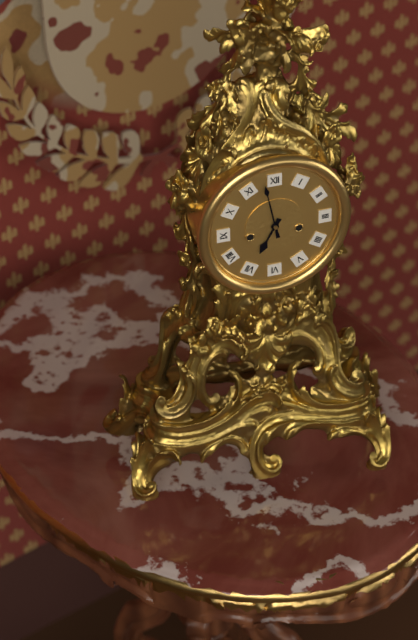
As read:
6:58
